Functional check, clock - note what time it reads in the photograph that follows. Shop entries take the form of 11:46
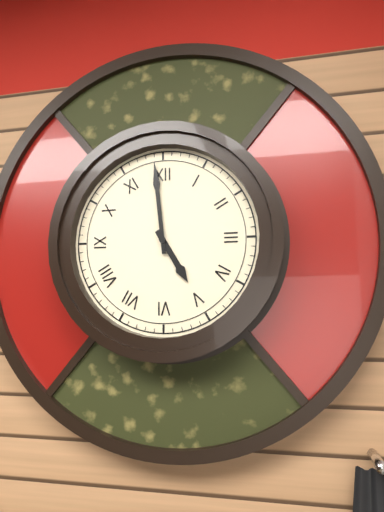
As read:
4:59
